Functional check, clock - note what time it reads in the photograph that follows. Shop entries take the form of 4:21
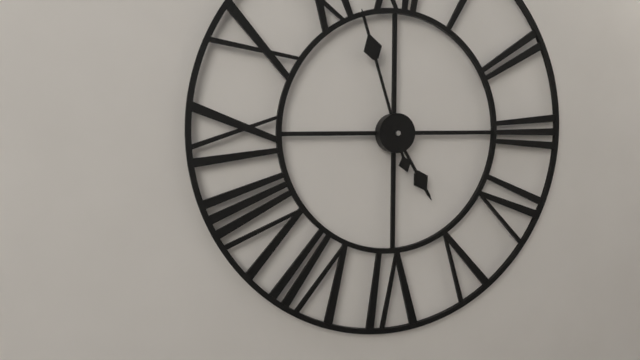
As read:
4:57
